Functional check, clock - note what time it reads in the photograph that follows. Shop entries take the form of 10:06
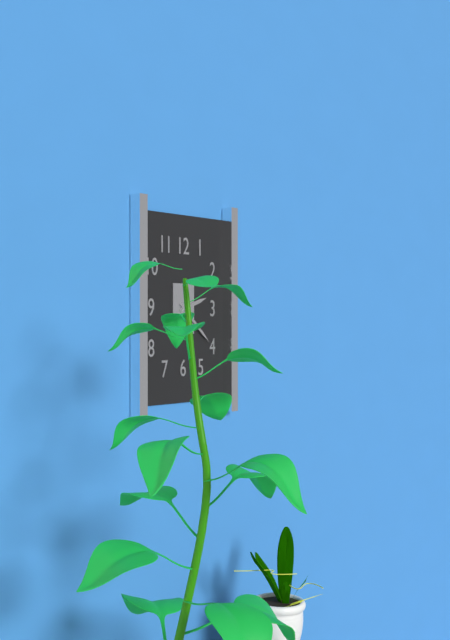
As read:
2:22
